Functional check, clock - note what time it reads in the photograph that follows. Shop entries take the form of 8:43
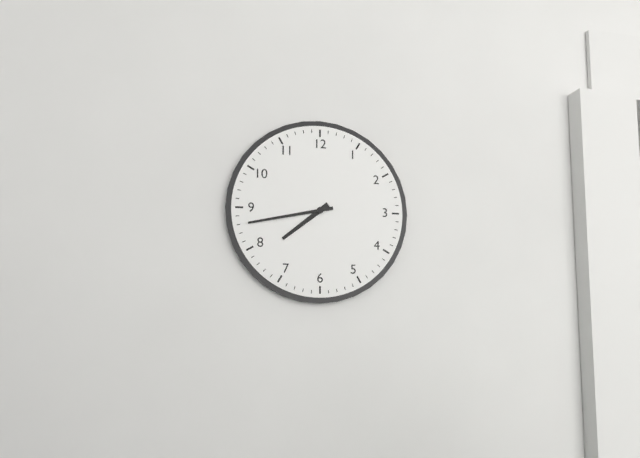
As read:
7:43
